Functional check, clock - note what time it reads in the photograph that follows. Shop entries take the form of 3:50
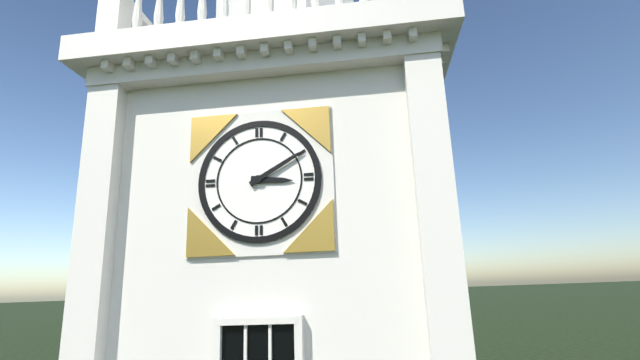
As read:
3:10
